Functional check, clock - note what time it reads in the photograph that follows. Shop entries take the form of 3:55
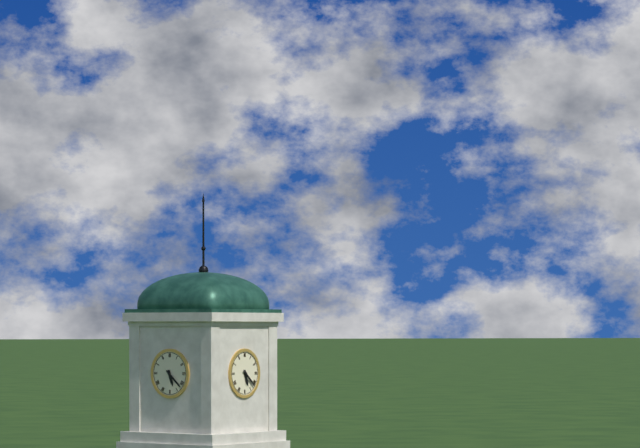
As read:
5:22
